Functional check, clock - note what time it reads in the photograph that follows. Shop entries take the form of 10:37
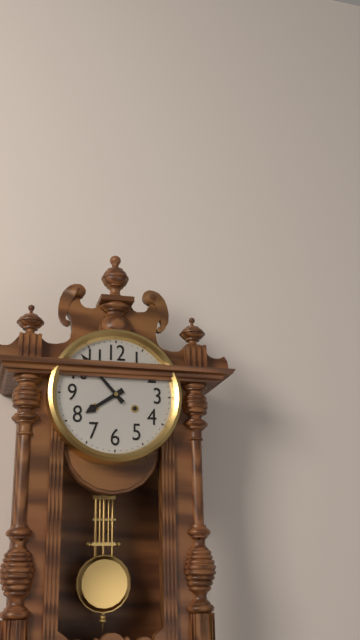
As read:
7:53
